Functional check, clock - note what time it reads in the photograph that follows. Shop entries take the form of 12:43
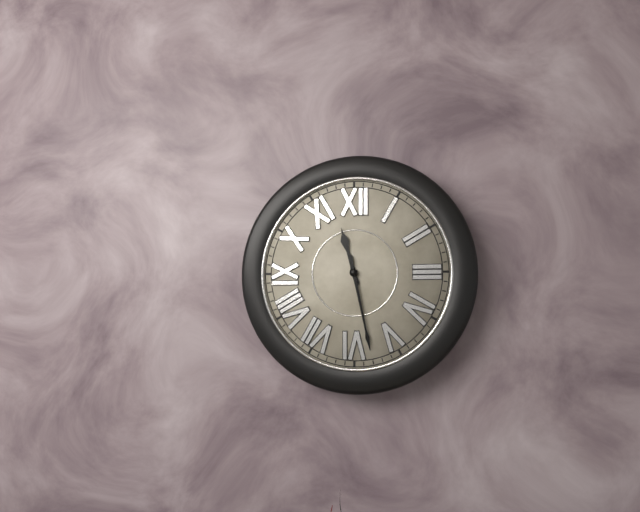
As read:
11:28
